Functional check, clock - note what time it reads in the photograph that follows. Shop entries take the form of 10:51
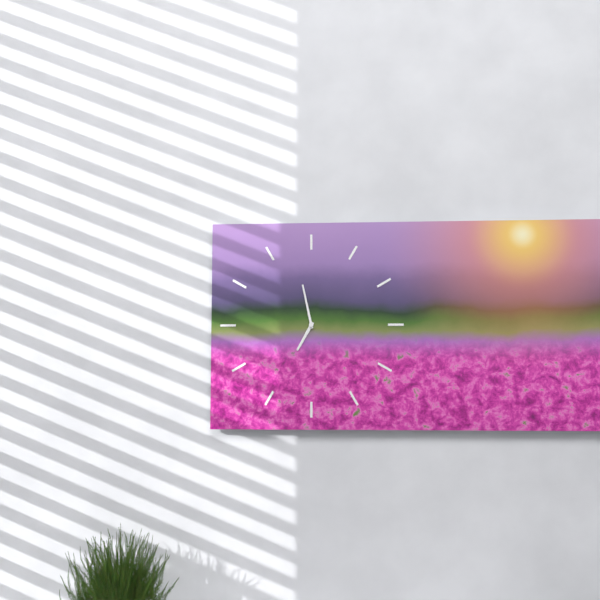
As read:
6:58
